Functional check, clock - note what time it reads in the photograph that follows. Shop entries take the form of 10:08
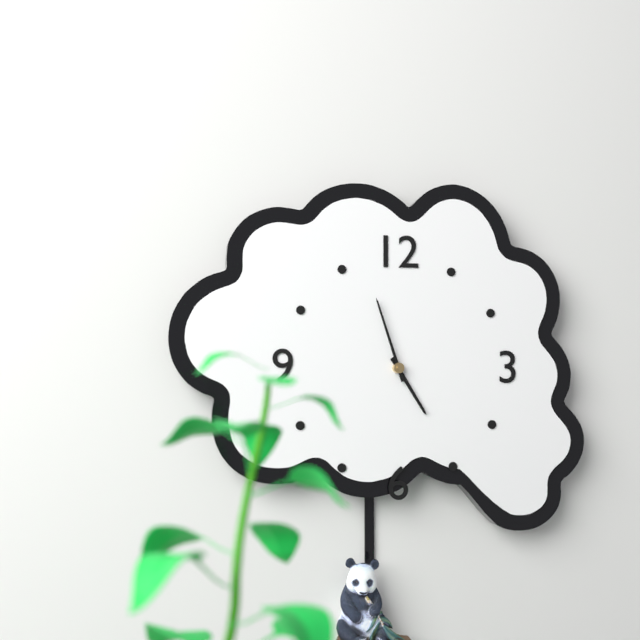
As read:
4:57
